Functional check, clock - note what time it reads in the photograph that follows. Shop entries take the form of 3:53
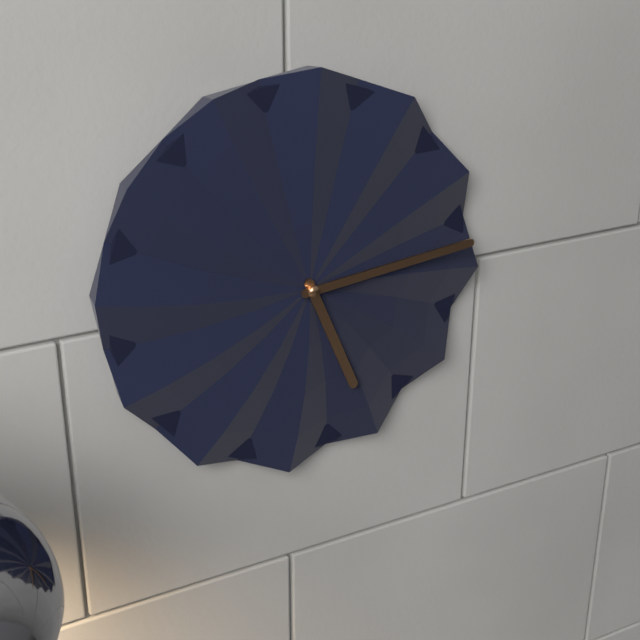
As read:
5:14
